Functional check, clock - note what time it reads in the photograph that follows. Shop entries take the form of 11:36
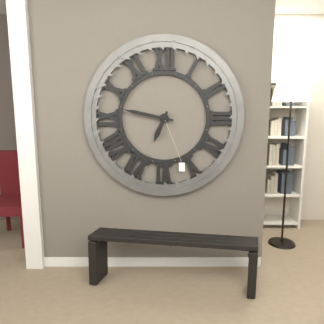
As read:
6:47
